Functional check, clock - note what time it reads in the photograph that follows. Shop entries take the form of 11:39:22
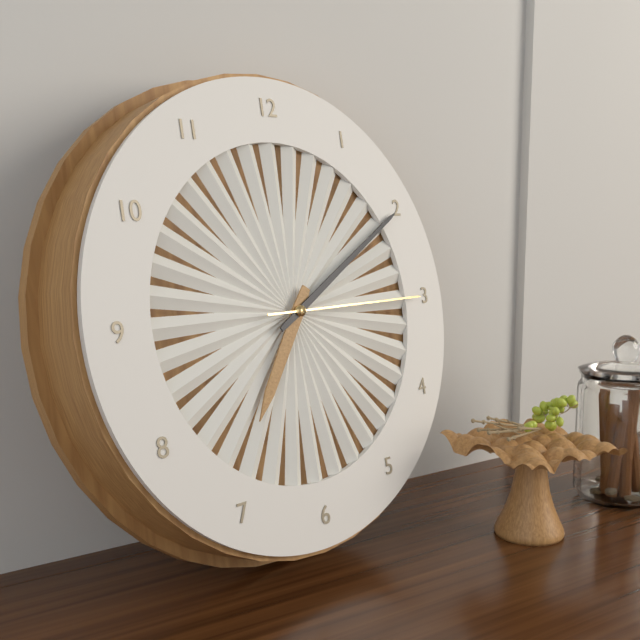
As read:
7:10:15
